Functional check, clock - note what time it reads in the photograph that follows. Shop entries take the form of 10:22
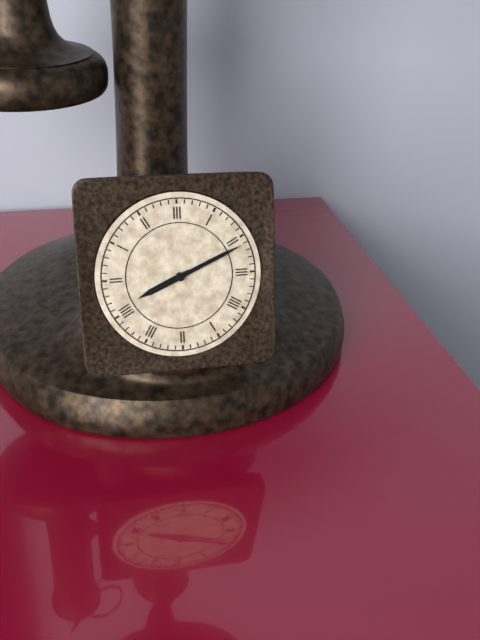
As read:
8:11
